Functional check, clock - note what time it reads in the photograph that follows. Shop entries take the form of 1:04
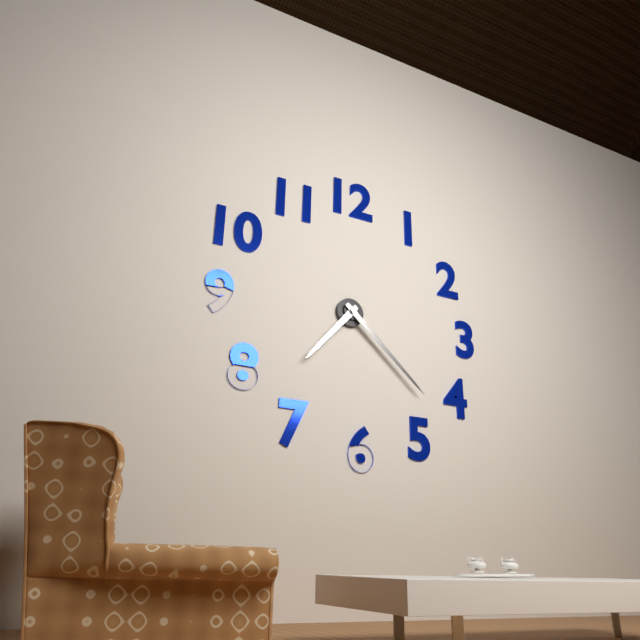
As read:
7:22
